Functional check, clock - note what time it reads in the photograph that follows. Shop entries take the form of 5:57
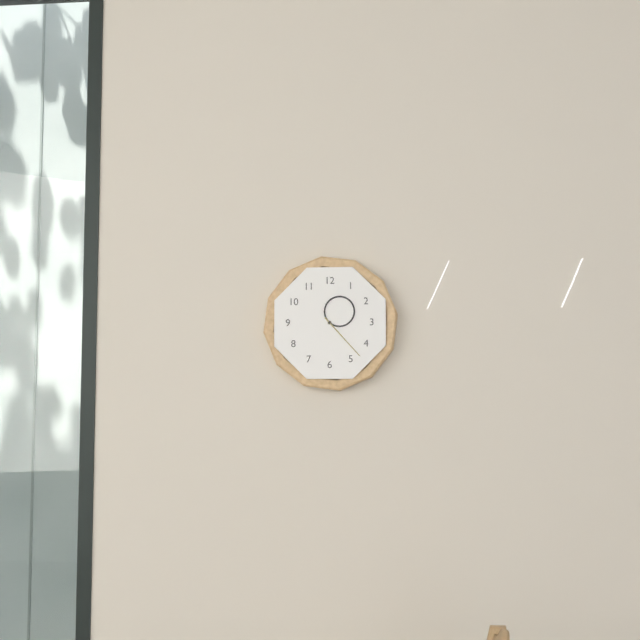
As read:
1:23
